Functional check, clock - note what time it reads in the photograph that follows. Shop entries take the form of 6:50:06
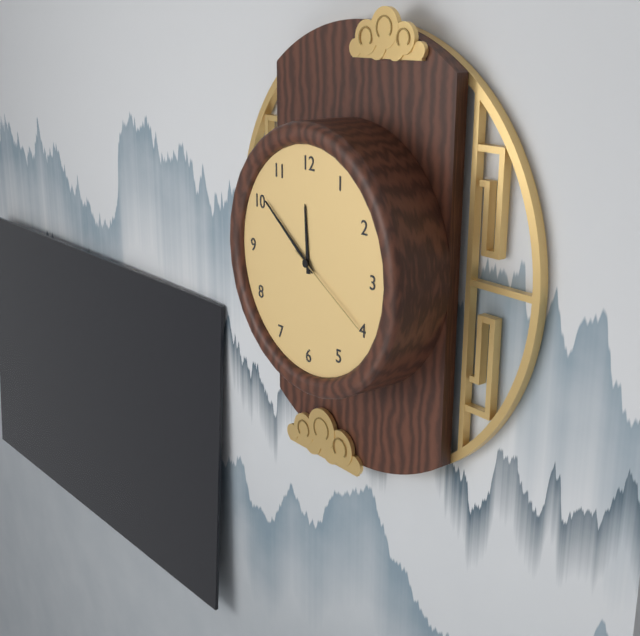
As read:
11:51:20
